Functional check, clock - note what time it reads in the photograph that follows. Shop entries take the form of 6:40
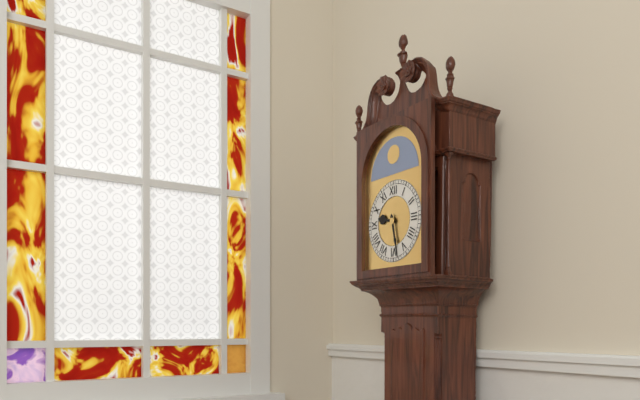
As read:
9:28
